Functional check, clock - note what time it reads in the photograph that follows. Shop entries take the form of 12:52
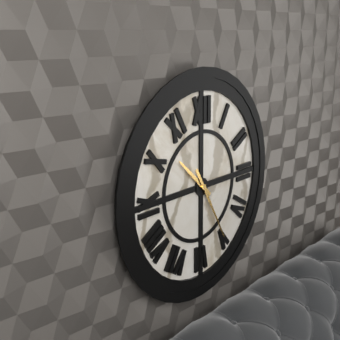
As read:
10:25
